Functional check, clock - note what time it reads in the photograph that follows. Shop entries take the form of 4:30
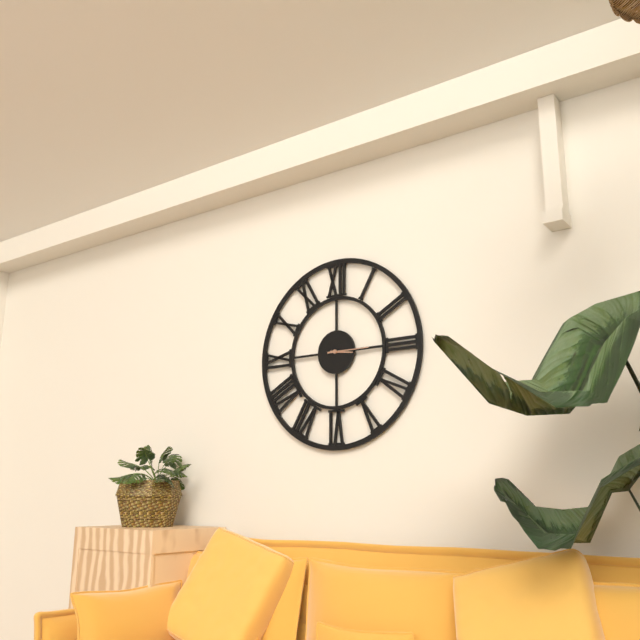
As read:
3:15
